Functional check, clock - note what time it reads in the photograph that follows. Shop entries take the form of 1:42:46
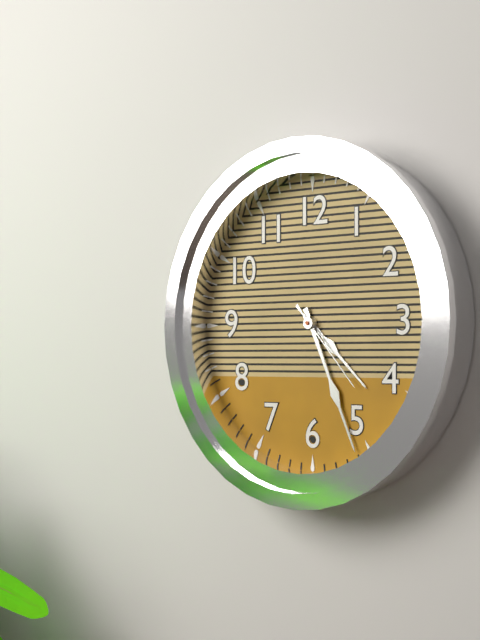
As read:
4:26:23
